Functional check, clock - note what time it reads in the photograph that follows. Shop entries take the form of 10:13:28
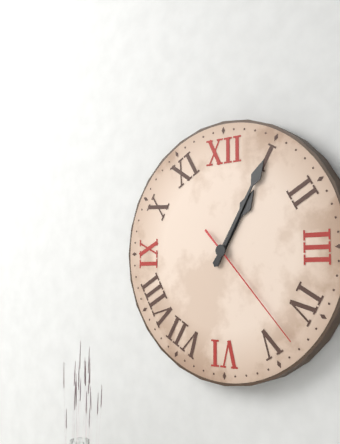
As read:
1:05:23
